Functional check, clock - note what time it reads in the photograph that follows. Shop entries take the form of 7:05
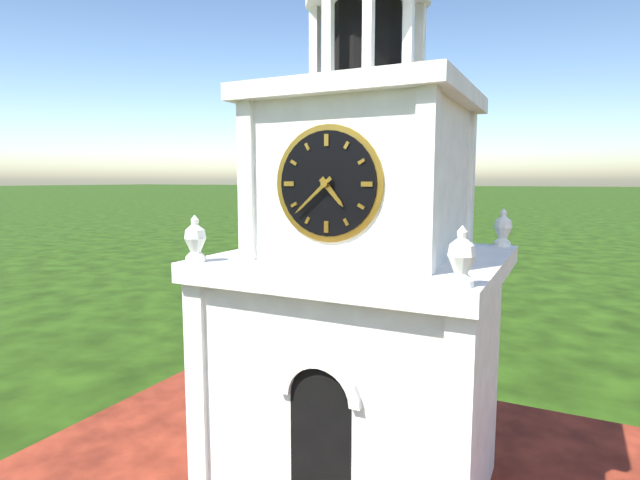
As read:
4:38
